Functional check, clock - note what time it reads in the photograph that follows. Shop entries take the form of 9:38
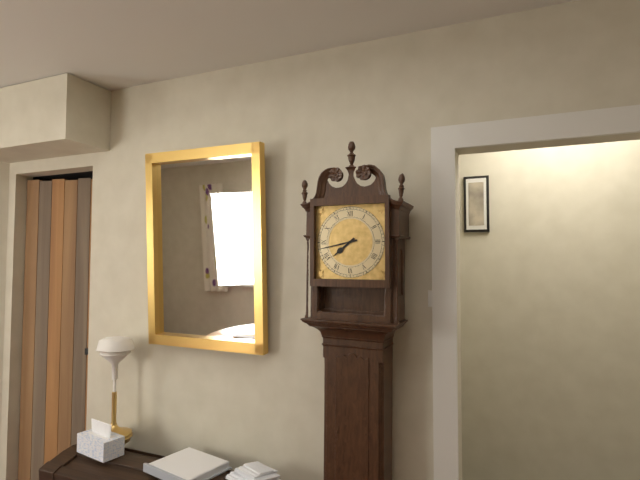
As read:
7:43
